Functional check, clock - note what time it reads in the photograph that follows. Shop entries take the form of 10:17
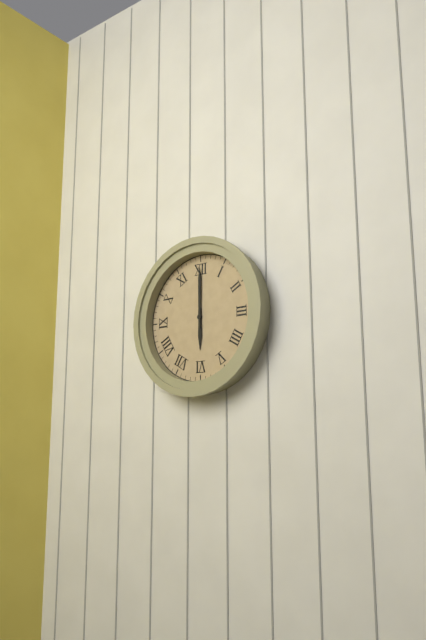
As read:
6:00
